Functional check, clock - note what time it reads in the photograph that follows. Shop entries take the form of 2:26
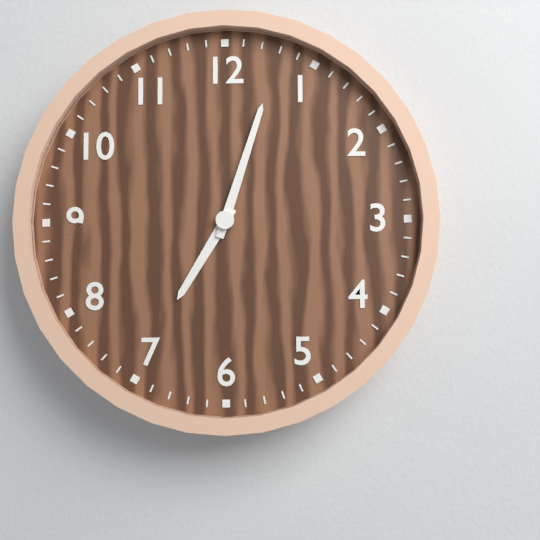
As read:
7:03
